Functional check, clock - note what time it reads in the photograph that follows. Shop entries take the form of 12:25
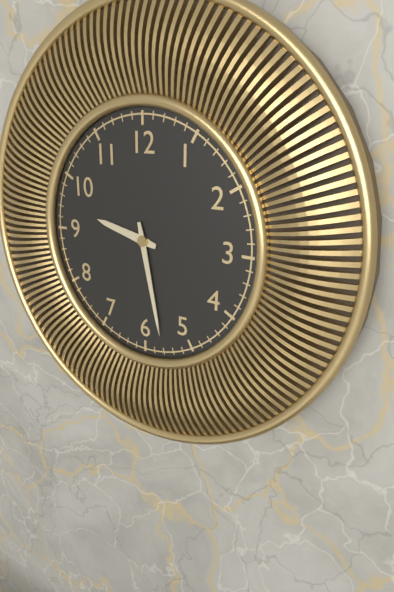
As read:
9:28
